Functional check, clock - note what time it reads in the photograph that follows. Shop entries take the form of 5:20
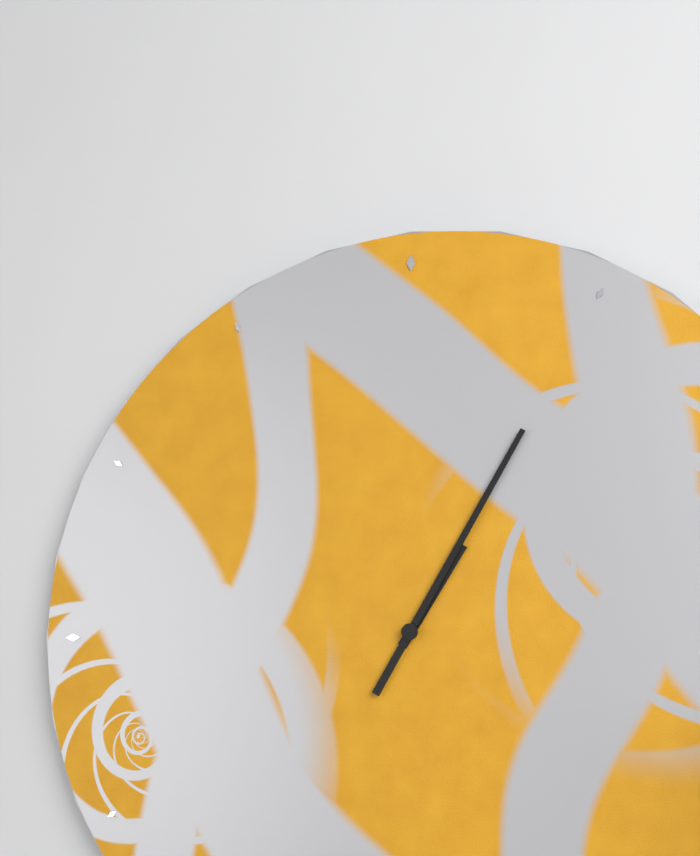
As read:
1:05
